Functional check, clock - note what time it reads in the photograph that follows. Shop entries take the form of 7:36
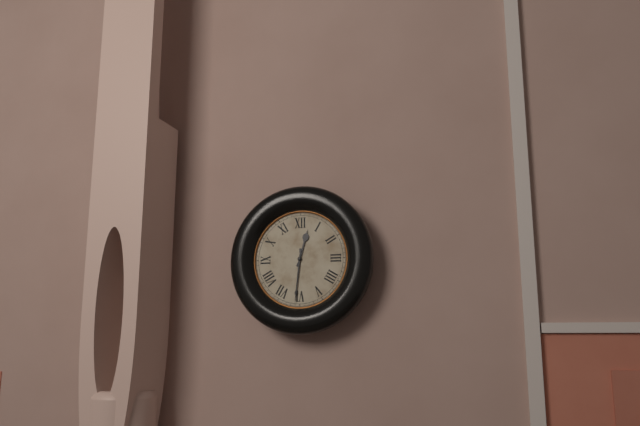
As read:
12:31
